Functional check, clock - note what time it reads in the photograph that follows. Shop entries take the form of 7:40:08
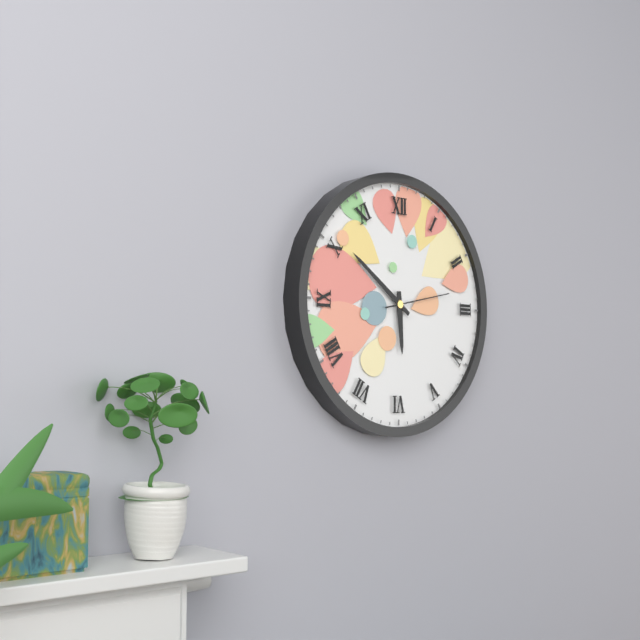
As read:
5:51:13
